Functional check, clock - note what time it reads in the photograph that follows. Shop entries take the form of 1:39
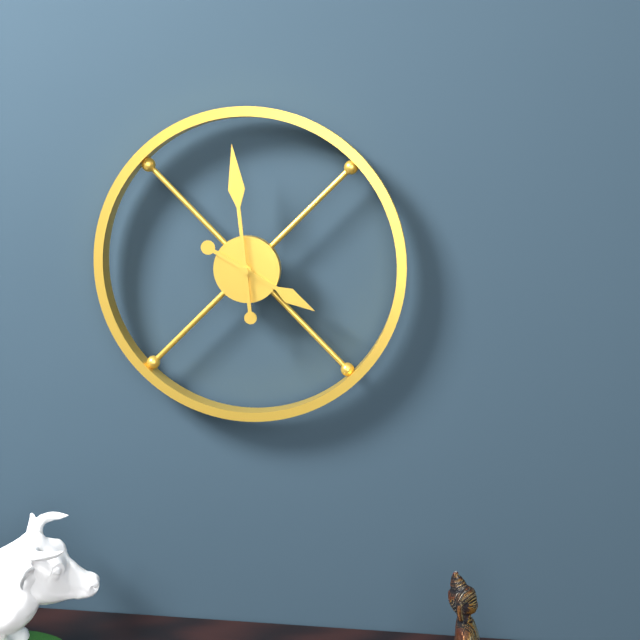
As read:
3:59
